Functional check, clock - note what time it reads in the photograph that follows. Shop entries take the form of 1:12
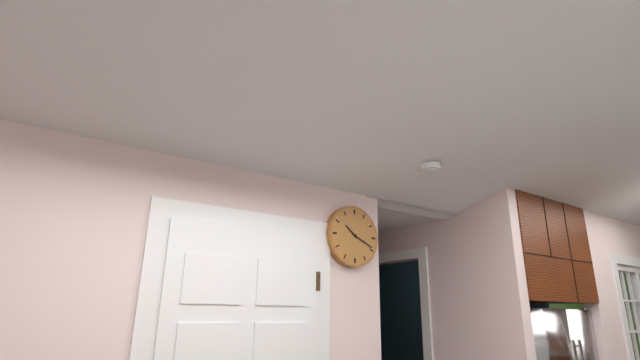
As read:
10:19
